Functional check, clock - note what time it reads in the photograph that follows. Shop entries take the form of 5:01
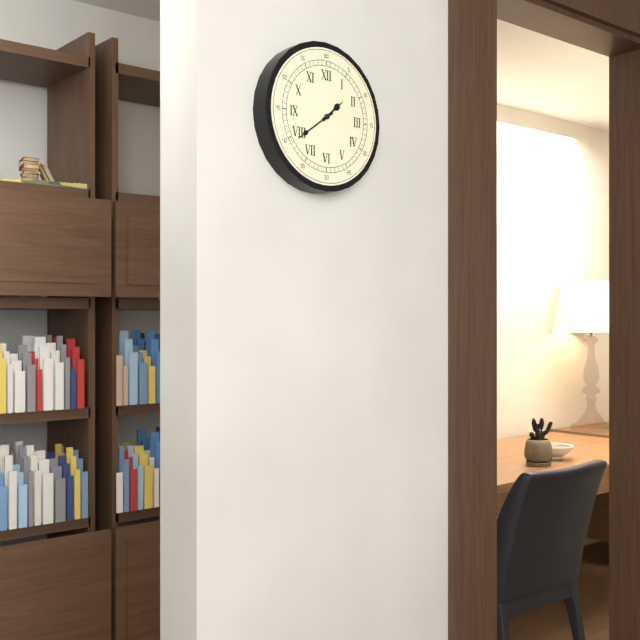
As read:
1:39
